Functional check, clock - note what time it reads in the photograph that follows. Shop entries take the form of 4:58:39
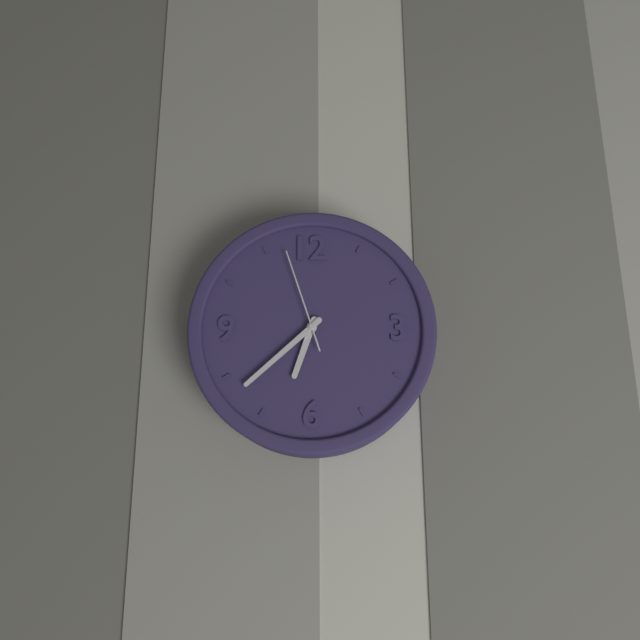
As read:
6:38:57
